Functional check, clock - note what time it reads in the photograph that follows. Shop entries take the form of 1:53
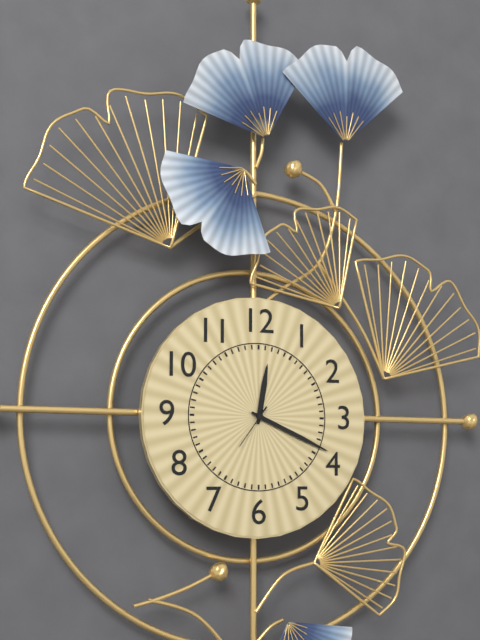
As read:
12:19
